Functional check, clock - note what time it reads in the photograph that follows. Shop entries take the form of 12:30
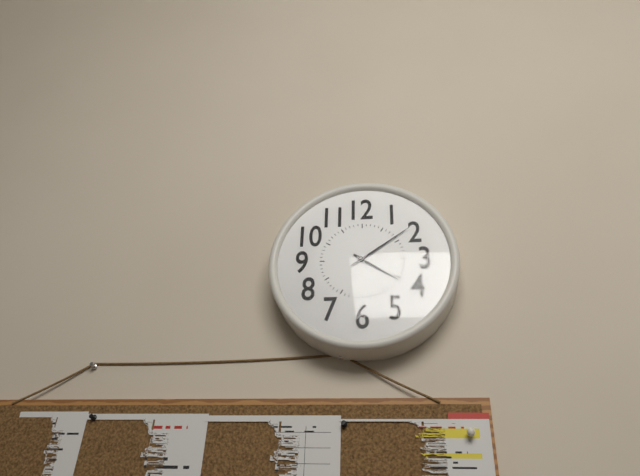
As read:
4:09
